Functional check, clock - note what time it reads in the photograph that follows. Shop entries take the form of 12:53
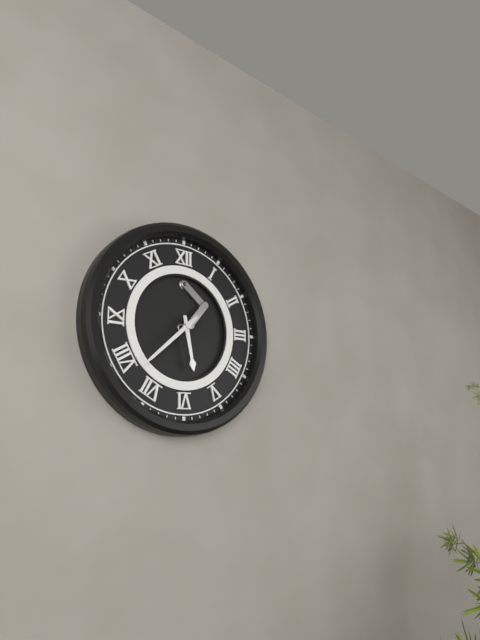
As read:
5:38
